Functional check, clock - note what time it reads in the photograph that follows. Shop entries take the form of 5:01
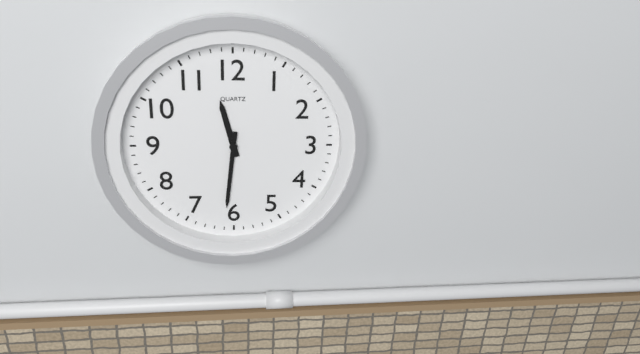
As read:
11:31
